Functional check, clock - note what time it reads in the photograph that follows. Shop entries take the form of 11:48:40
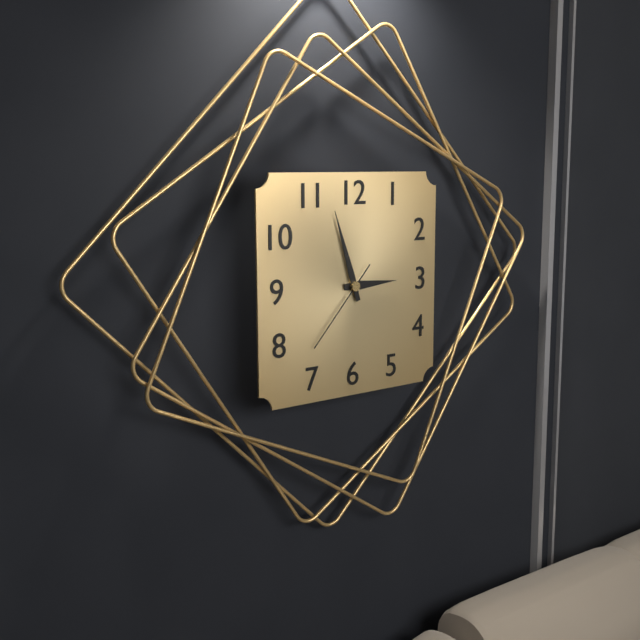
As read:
2:57:37
